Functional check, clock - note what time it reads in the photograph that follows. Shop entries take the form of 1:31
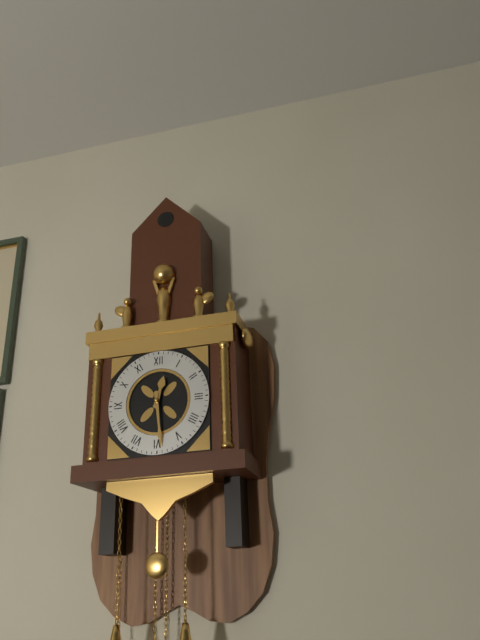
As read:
12:29
